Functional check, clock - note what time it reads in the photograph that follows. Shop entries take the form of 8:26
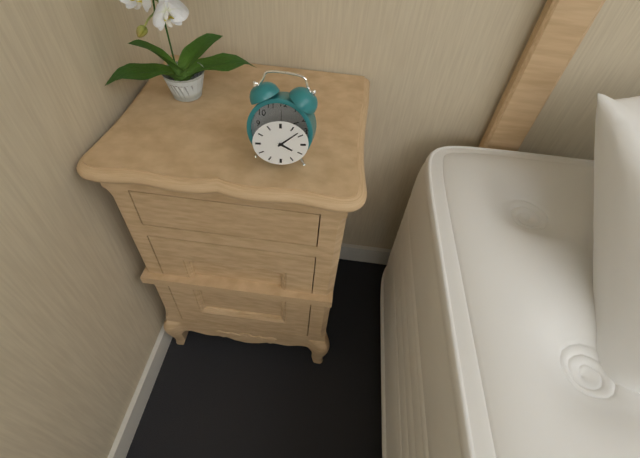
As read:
4:08
